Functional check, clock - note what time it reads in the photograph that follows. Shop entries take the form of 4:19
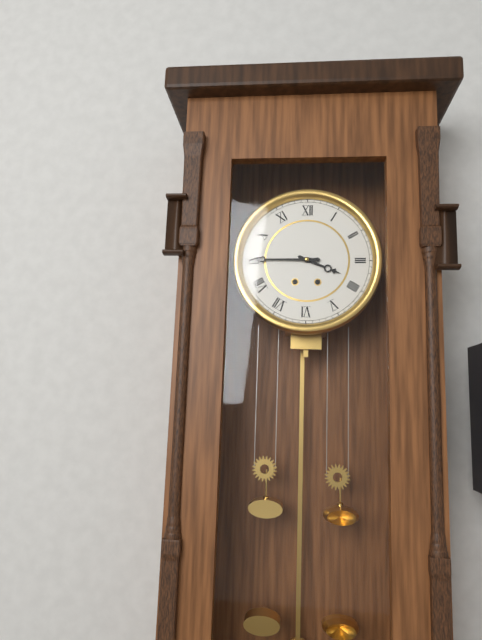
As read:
3:45
